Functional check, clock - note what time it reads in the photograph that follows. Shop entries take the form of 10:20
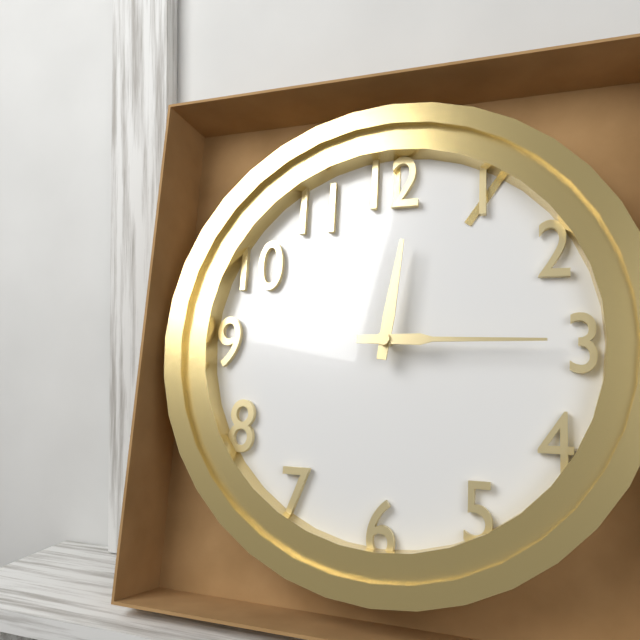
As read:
12:15
